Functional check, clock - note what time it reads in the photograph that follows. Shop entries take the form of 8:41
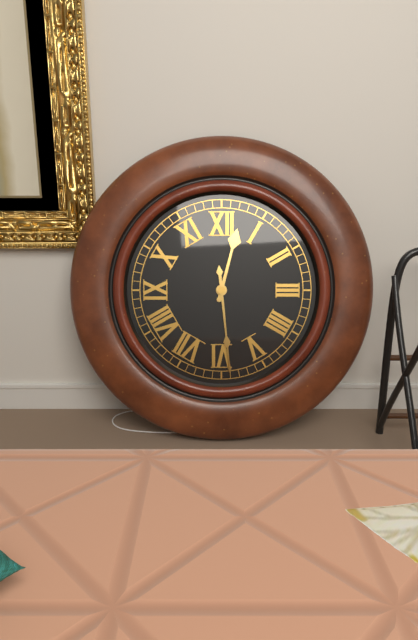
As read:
12:29
